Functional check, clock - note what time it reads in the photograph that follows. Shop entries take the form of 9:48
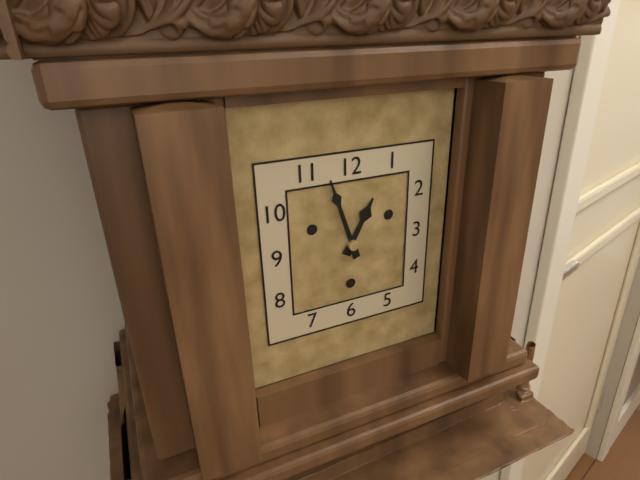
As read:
12:57
